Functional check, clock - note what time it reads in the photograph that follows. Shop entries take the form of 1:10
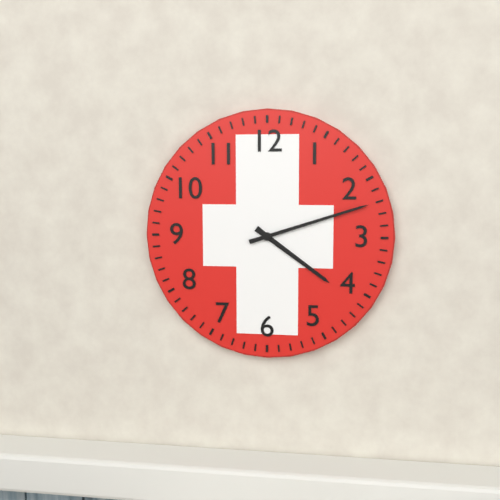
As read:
4:12
